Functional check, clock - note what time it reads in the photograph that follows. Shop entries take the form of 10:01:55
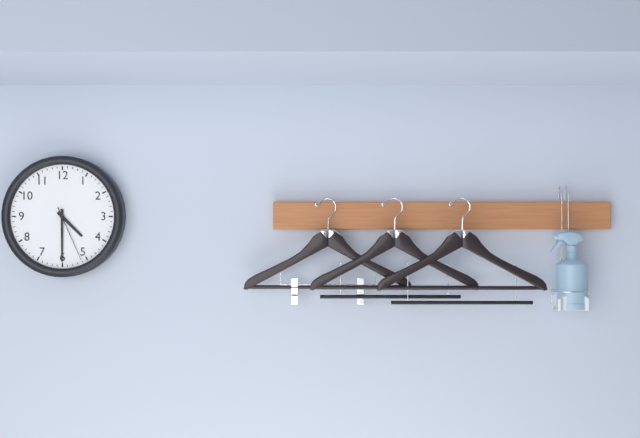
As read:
4:30:26
